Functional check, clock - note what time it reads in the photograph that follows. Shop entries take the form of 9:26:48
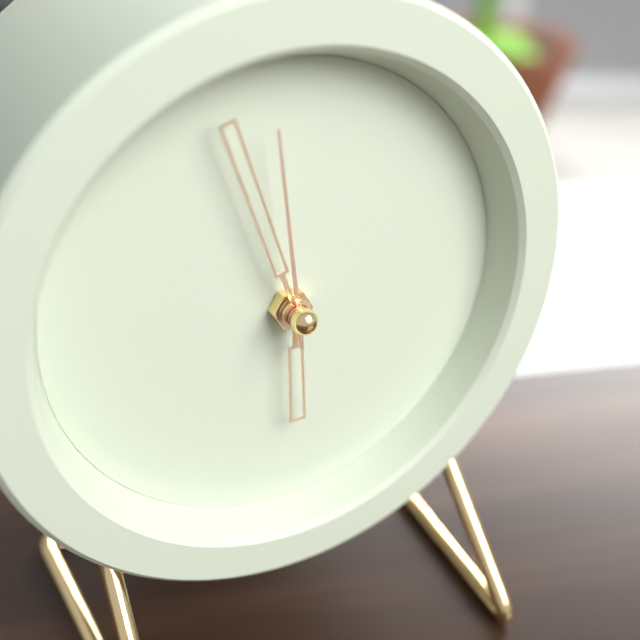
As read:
5:57:59
